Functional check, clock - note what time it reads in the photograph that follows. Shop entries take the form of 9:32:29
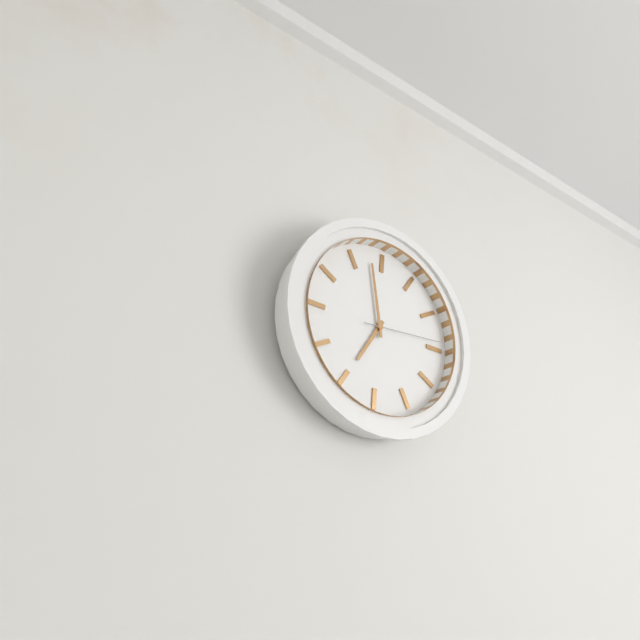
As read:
6:58:14
